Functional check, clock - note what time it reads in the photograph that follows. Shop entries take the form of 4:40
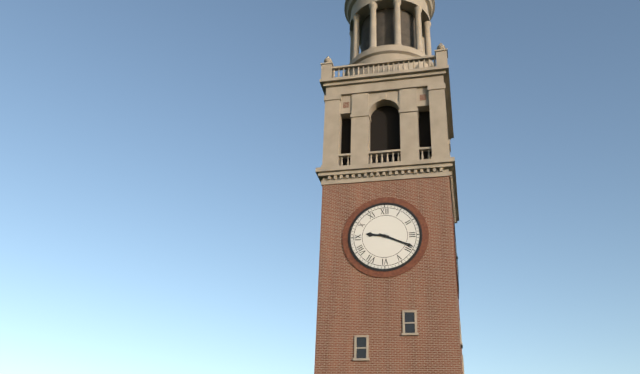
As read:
9:19
